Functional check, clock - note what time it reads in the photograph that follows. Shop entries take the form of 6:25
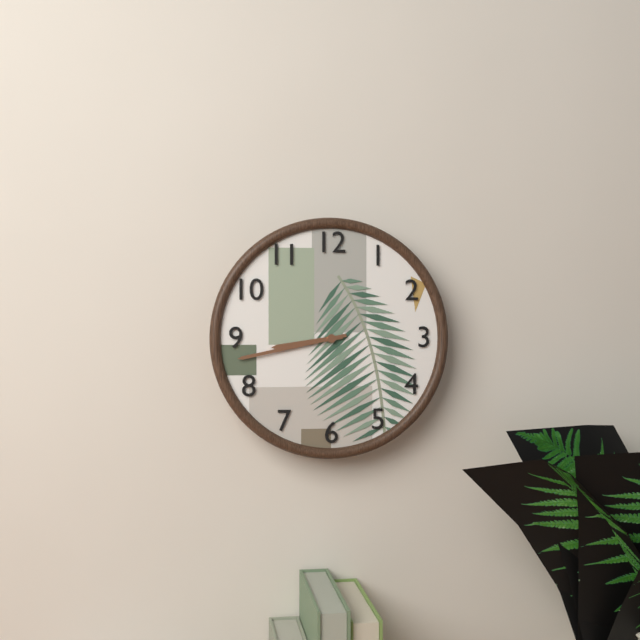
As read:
8:43
